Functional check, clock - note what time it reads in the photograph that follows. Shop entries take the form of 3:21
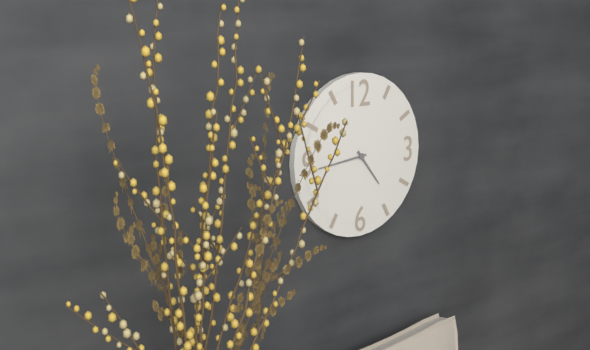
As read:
4:44
